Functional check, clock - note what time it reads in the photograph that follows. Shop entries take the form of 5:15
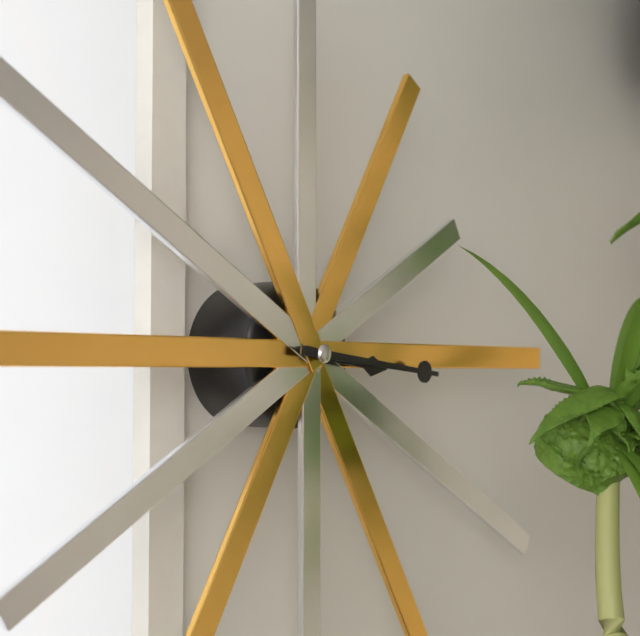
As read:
3:16
